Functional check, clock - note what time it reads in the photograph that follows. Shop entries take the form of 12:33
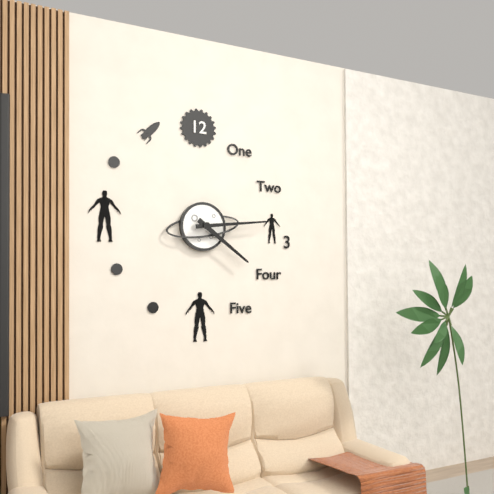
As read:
4:14
